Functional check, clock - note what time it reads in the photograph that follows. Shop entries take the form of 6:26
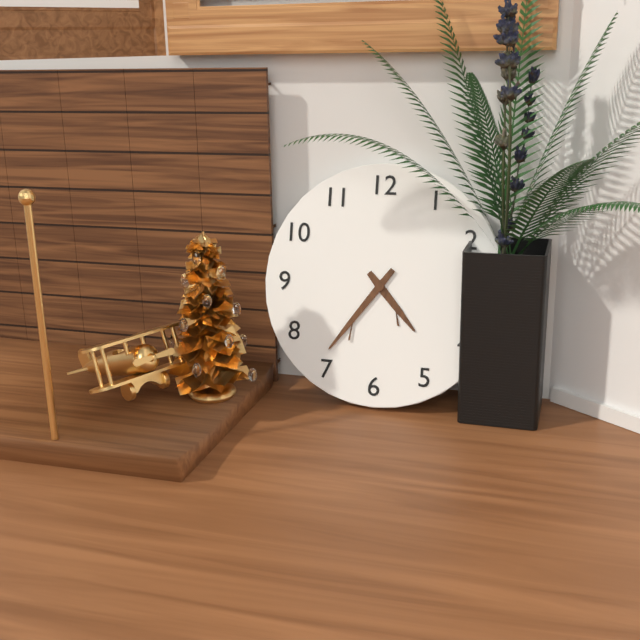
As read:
4:36
